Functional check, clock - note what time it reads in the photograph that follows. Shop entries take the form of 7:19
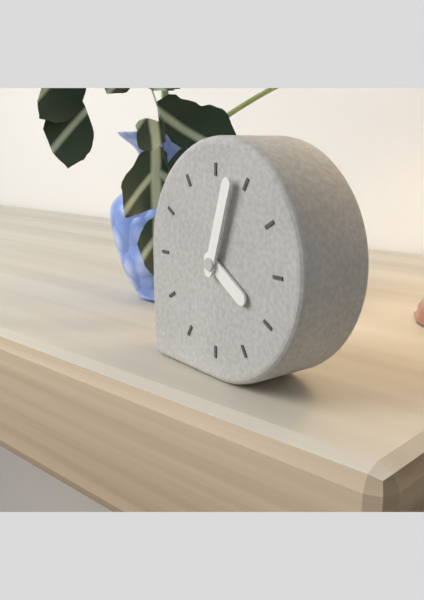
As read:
4:03
